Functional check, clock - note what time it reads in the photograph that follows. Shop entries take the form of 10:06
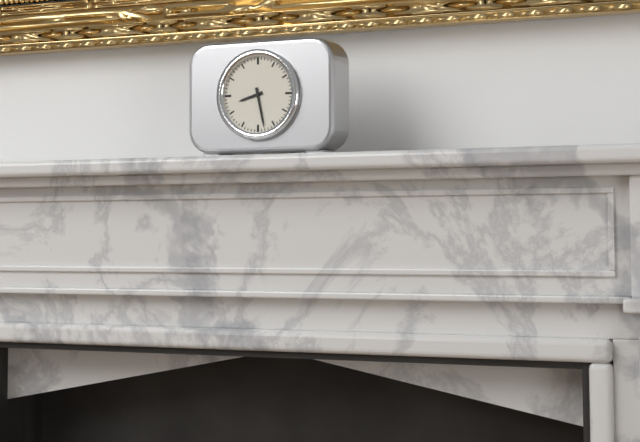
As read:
8:28
